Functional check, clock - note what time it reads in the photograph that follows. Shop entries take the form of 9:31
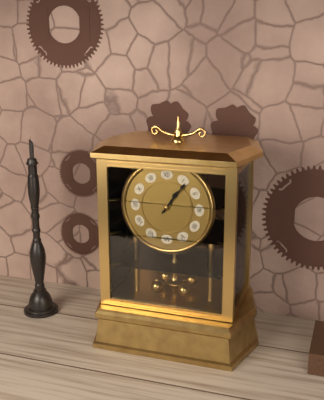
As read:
1:06
